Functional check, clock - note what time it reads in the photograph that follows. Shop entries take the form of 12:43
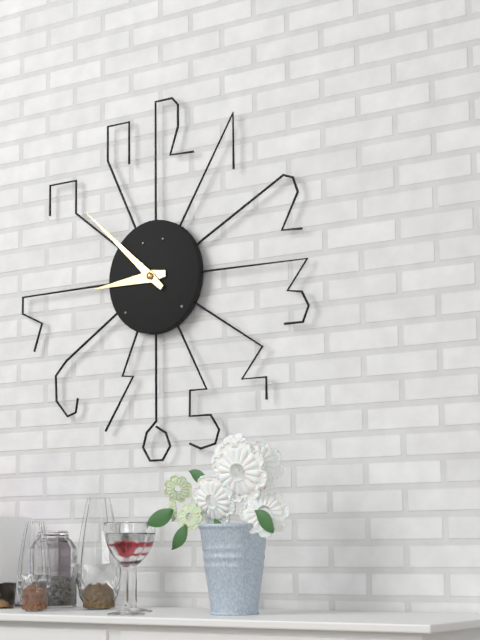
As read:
8:52
